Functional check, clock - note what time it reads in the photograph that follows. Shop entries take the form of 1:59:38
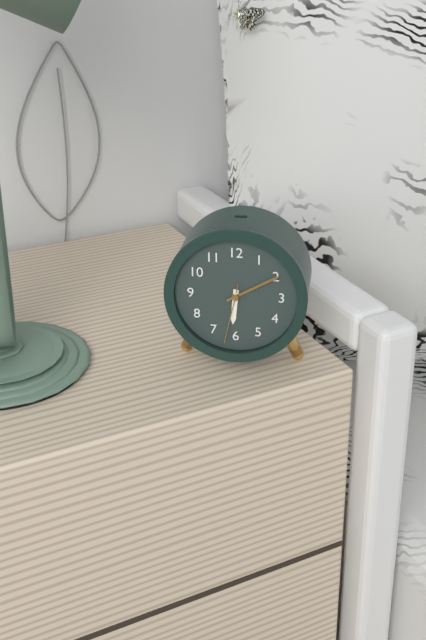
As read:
6:10:32
